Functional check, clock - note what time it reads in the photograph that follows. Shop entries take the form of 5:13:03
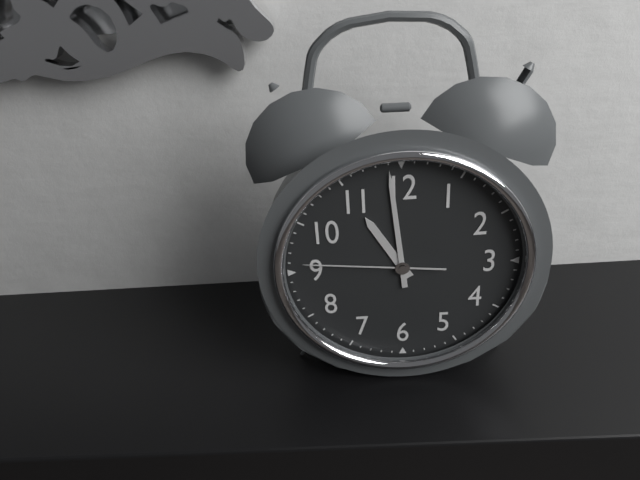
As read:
10:59:46
